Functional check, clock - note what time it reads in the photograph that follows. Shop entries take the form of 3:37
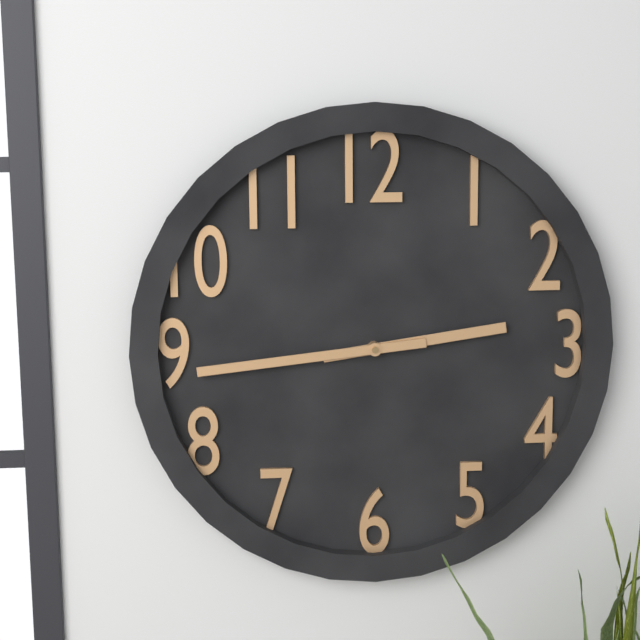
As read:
2:44
